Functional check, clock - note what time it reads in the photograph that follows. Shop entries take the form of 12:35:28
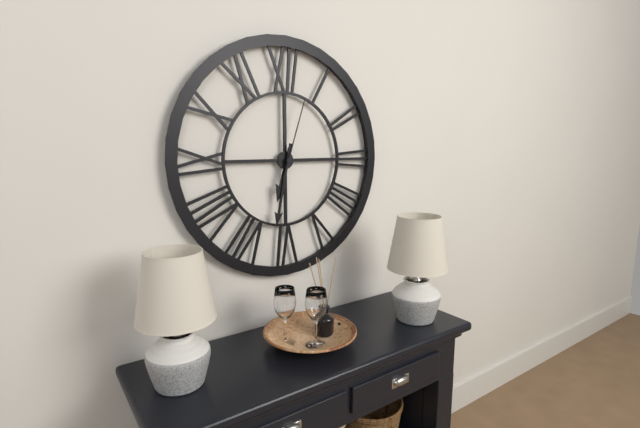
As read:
6:32:03
